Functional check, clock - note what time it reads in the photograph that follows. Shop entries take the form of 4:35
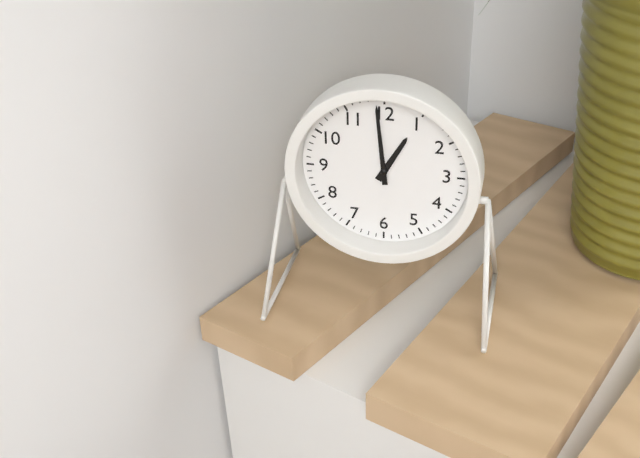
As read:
12:59
